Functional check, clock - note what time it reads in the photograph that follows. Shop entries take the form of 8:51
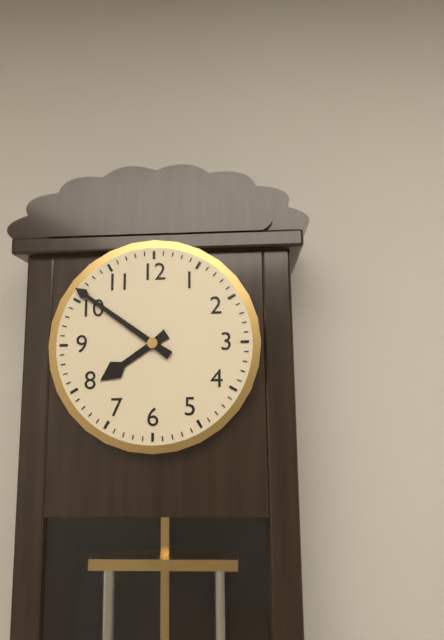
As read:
7:51
